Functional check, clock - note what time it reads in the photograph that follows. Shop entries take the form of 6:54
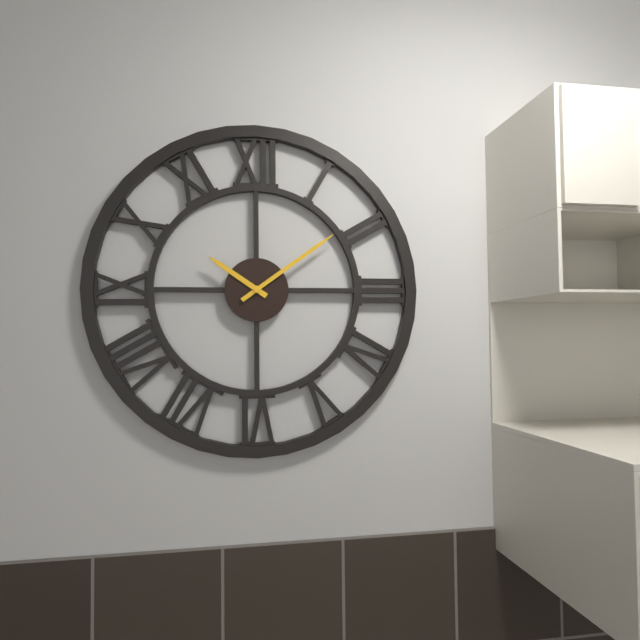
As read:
10:09
